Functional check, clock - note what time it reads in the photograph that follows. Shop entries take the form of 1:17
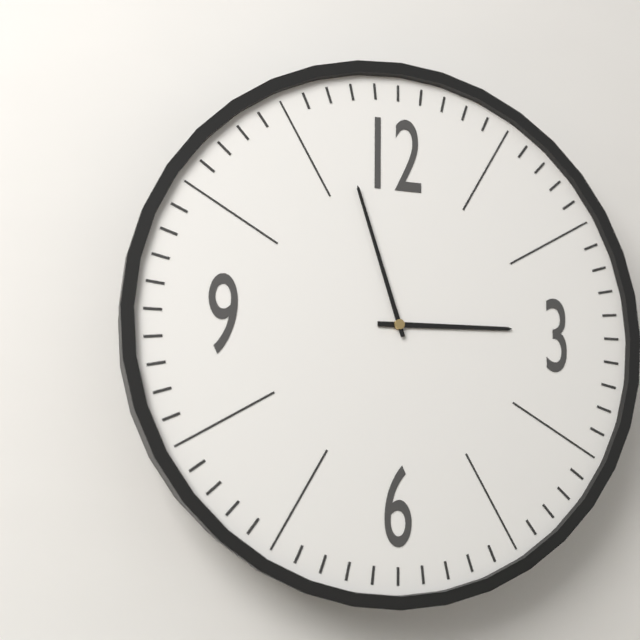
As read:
2:57
